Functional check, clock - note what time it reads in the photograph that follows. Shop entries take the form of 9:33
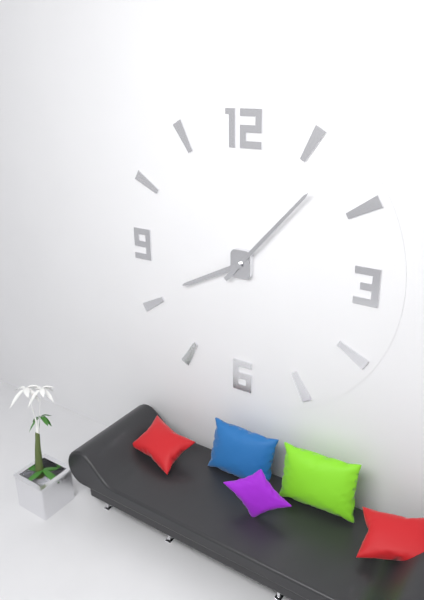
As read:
8:07
